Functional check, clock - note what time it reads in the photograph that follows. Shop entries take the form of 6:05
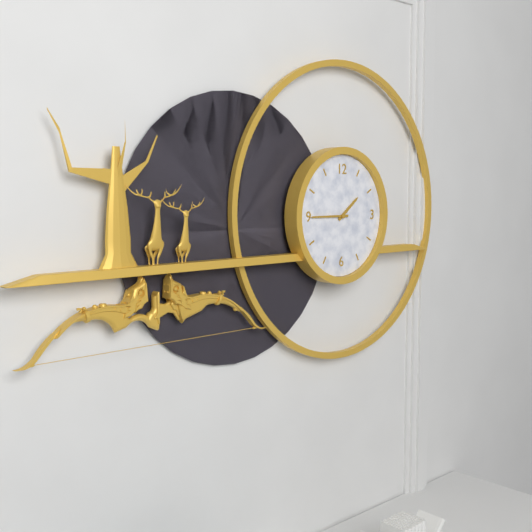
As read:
1:45
